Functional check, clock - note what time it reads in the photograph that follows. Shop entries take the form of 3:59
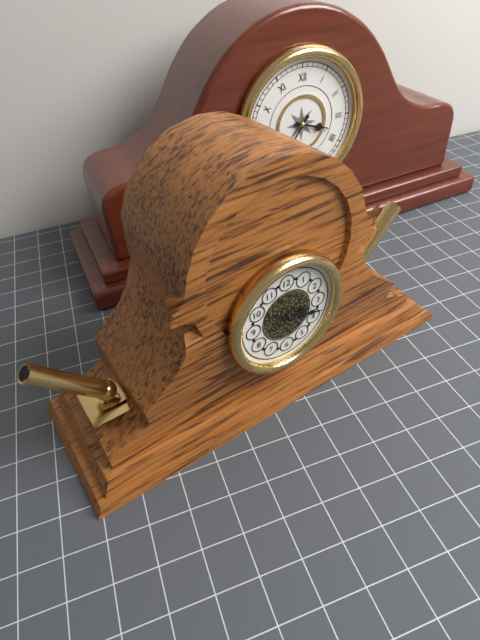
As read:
3:18
